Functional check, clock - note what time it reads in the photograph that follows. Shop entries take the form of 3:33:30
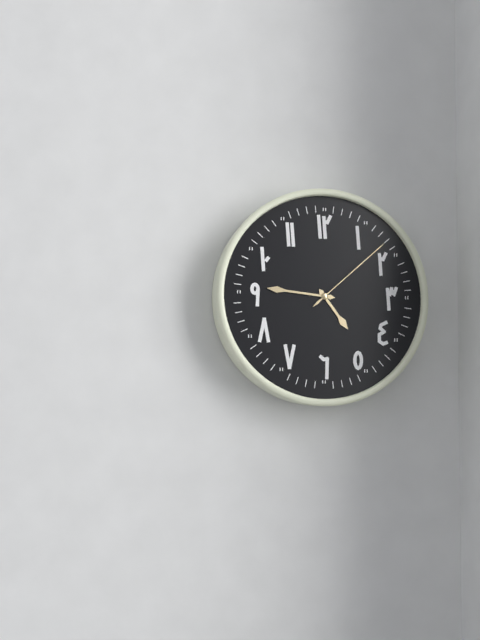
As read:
4:46:08
